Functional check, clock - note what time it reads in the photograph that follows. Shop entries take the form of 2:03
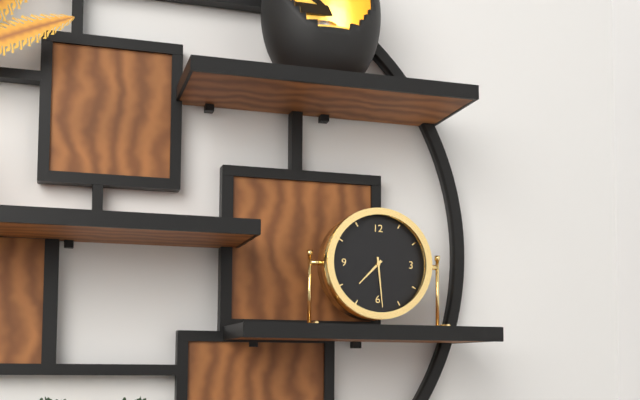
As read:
7:29
